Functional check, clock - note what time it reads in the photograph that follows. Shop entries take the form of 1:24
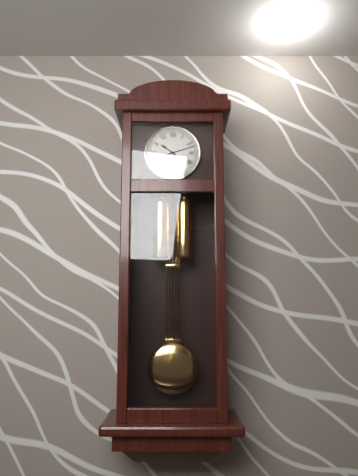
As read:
10:12
